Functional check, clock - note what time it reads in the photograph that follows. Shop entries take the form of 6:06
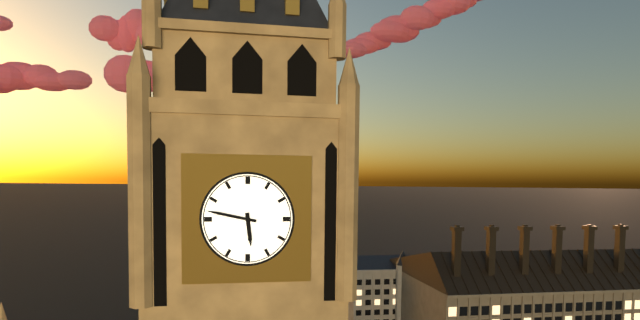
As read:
5:47
